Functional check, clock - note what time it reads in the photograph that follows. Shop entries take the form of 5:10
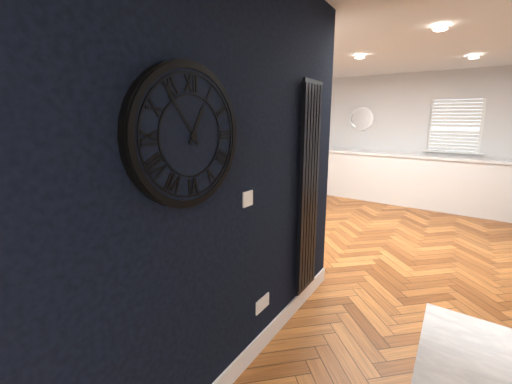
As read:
12:54
